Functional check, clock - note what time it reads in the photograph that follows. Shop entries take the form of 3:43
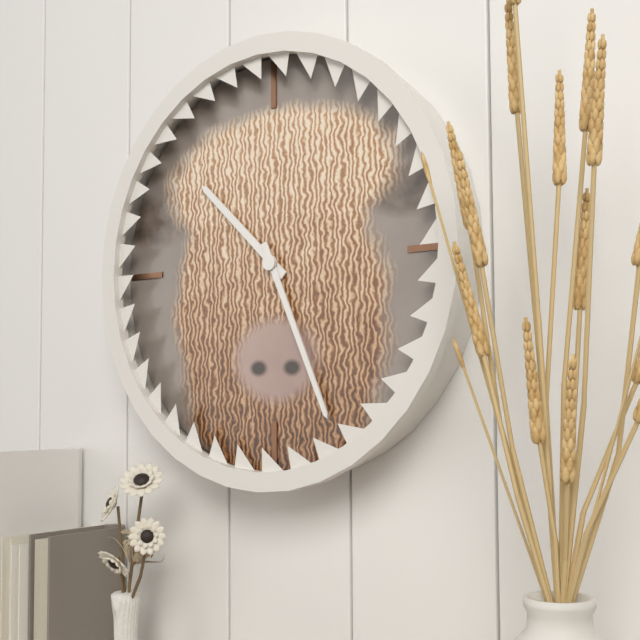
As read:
10:26
